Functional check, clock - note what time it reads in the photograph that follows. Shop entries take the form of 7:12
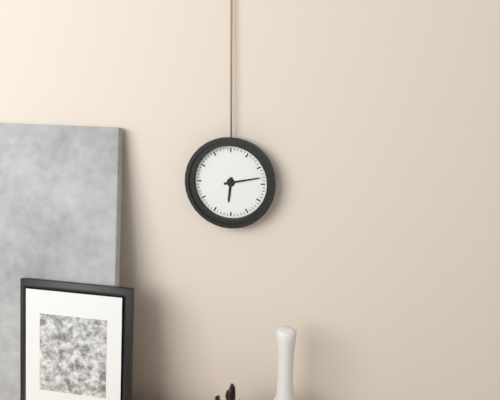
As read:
6:13
